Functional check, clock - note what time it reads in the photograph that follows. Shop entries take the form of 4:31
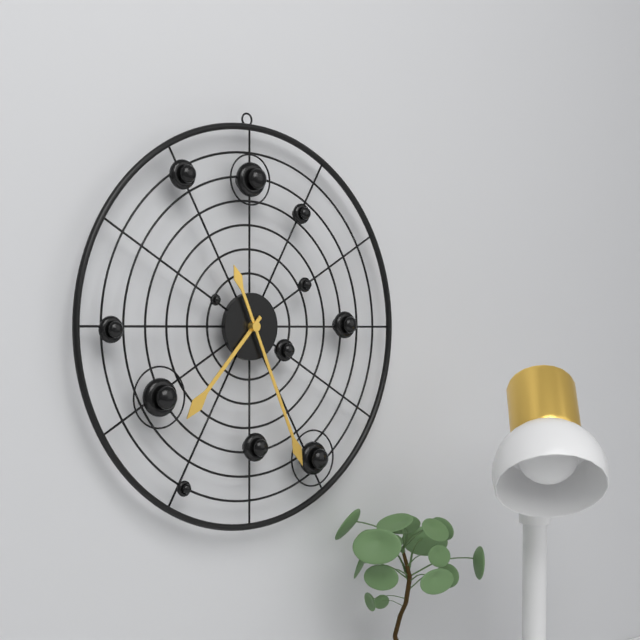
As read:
7:26
